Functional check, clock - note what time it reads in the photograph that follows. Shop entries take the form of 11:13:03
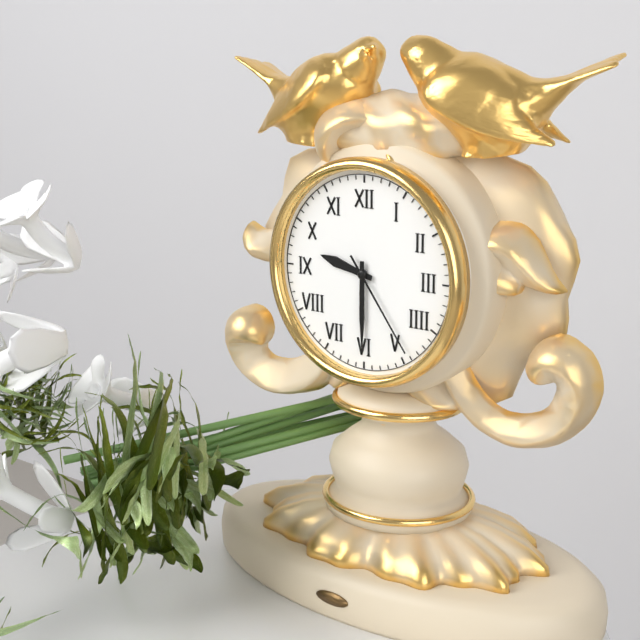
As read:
9:30:24
